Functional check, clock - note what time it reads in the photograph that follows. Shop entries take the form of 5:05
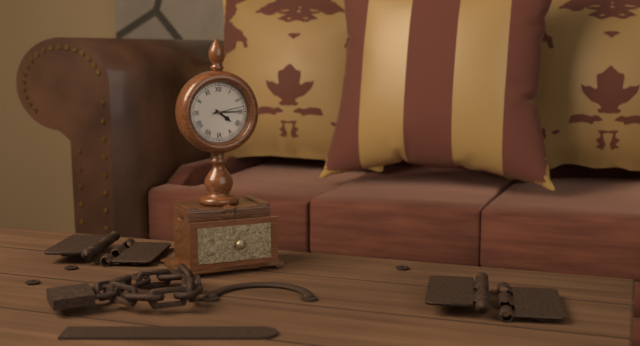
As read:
4:15
